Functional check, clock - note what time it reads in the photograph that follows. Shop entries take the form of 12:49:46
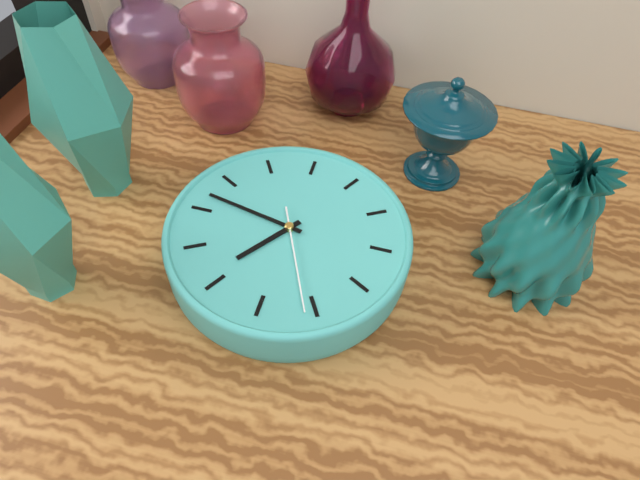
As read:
12:12:51
